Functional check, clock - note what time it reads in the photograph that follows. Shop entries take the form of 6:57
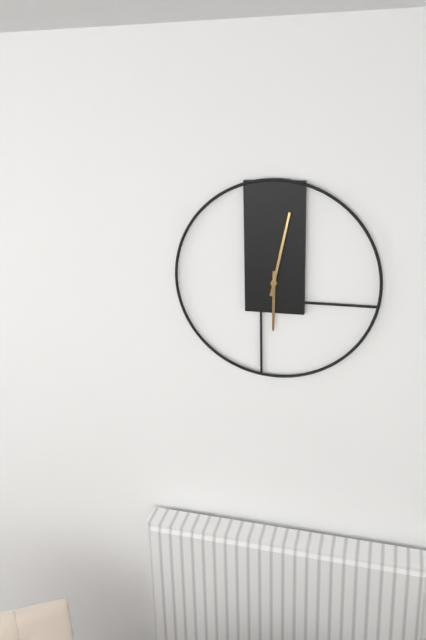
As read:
6:02
